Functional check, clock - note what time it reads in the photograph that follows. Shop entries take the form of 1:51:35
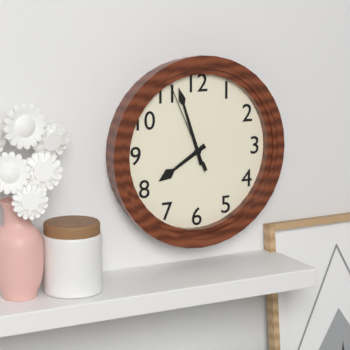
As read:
7:57:56
